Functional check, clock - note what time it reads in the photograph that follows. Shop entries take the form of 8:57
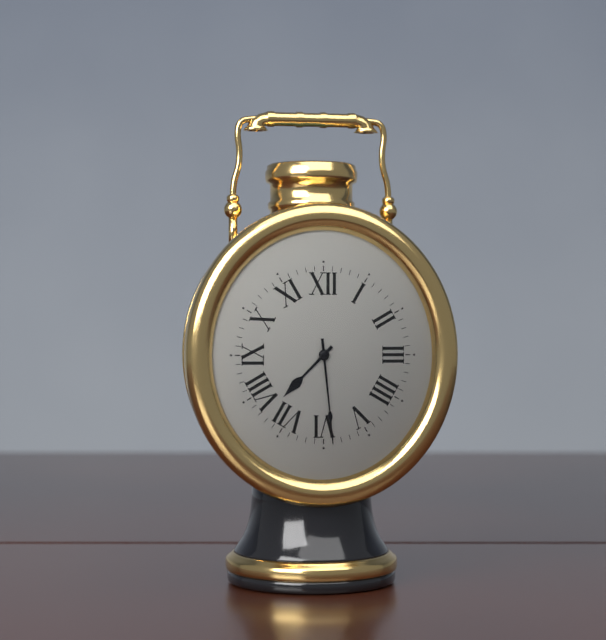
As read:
7:29
